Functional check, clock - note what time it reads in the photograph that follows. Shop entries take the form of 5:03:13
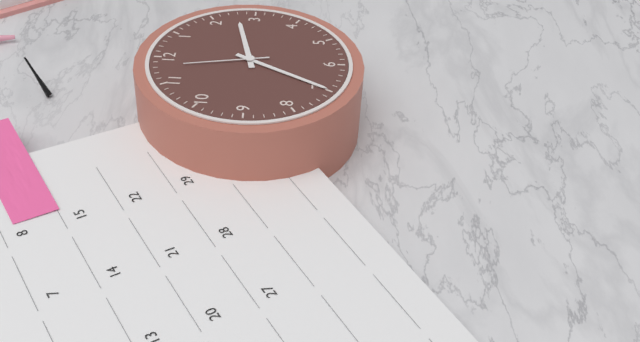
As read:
2:35:58
